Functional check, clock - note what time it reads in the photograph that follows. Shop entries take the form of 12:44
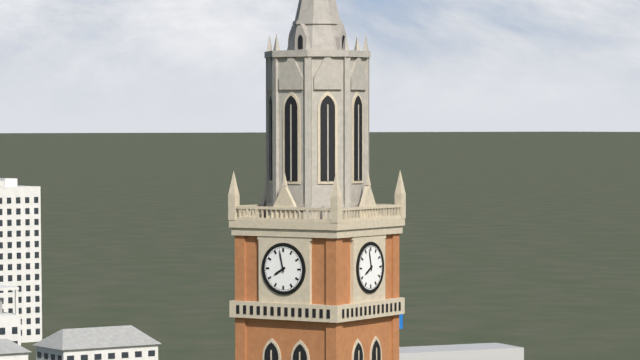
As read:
7:58
